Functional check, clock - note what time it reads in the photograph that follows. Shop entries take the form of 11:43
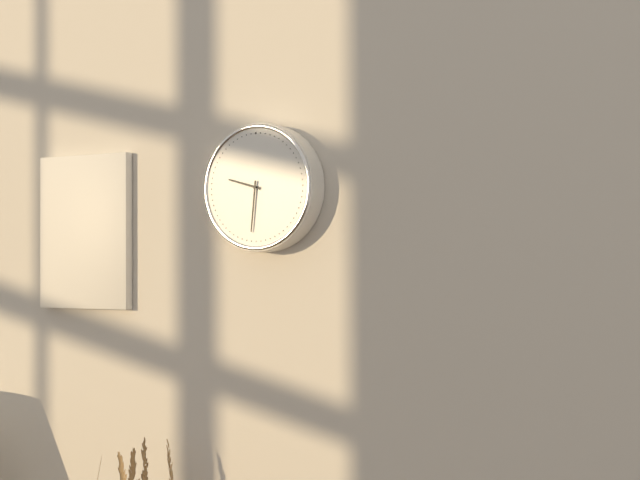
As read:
9:31
